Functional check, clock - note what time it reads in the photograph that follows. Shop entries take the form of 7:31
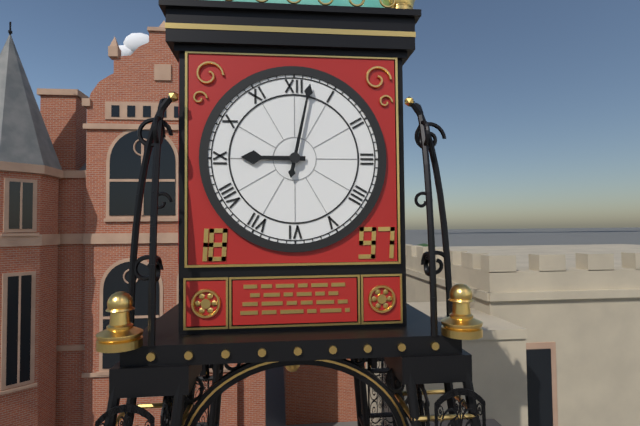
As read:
9:02
